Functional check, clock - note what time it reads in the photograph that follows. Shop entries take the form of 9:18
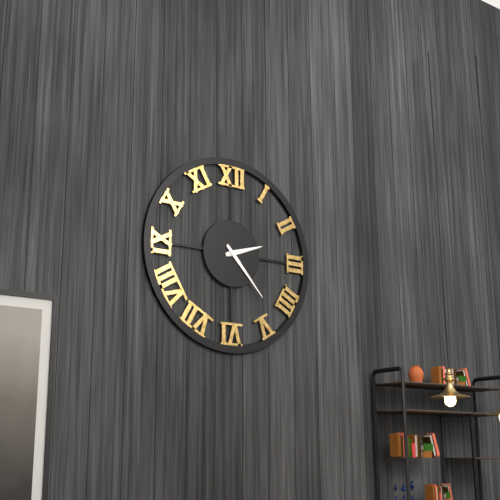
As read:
2:23
